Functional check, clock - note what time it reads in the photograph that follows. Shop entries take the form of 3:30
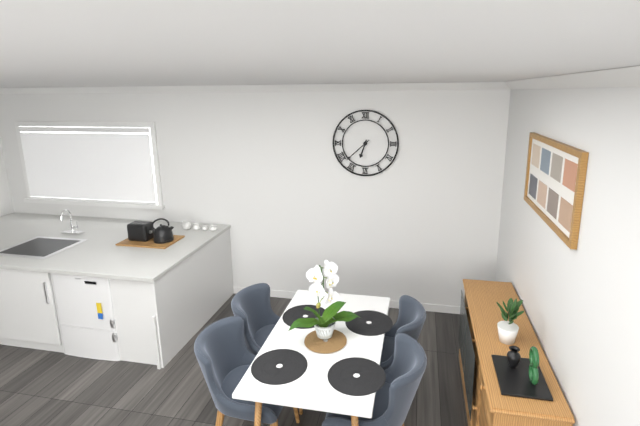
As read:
6:38
